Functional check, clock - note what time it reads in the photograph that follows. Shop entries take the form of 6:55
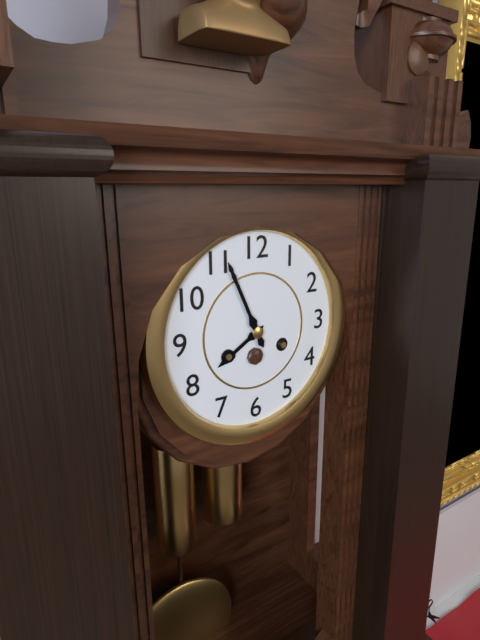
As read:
7:56
